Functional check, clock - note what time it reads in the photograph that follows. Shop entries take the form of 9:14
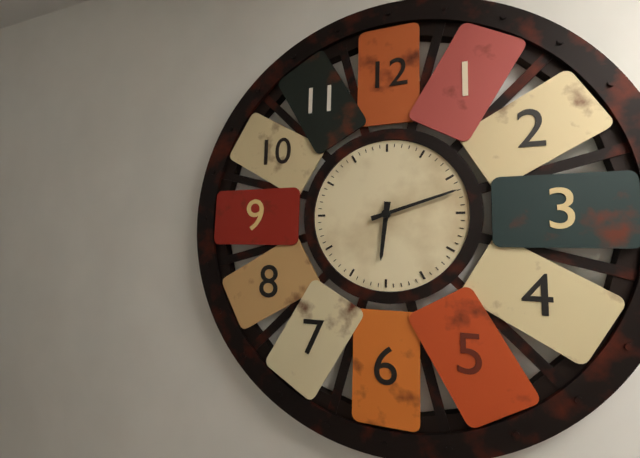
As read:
6:12
